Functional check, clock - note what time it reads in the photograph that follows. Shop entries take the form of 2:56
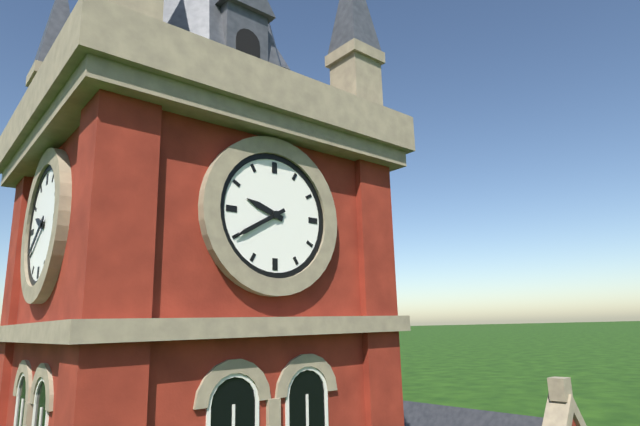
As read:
9:40
